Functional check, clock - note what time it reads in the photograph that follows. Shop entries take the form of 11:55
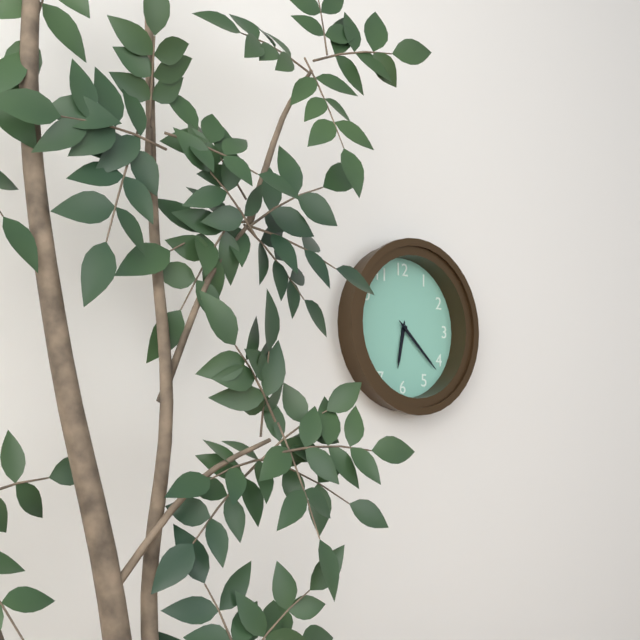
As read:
6:22
